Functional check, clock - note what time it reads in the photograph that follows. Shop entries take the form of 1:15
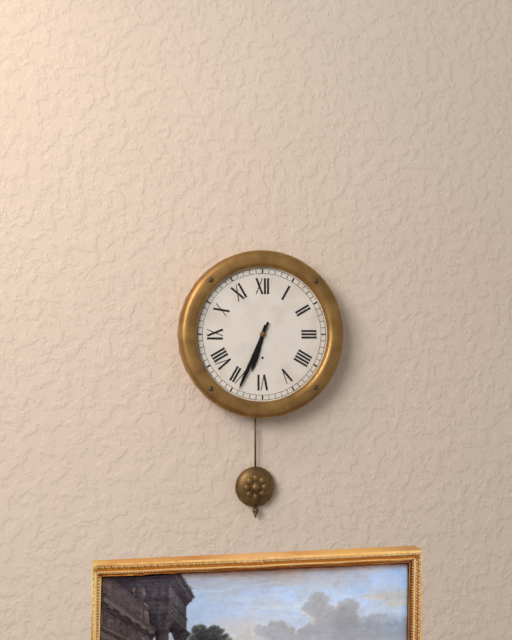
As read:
6:34
